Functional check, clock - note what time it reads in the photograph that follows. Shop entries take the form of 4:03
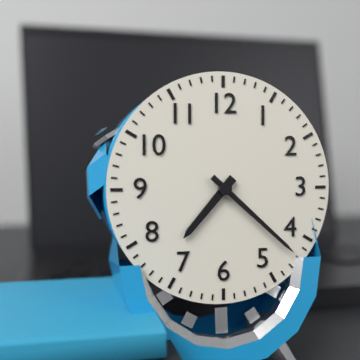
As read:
7:22
